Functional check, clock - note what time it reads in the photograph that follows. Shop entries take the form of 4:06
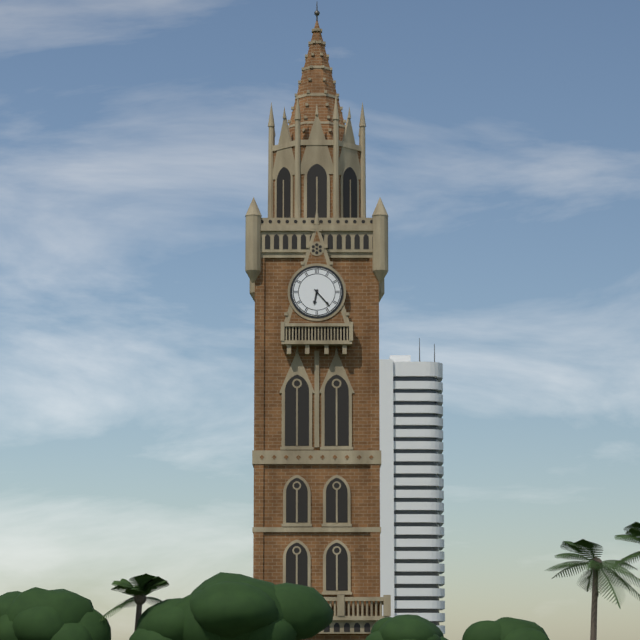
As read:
6:23
